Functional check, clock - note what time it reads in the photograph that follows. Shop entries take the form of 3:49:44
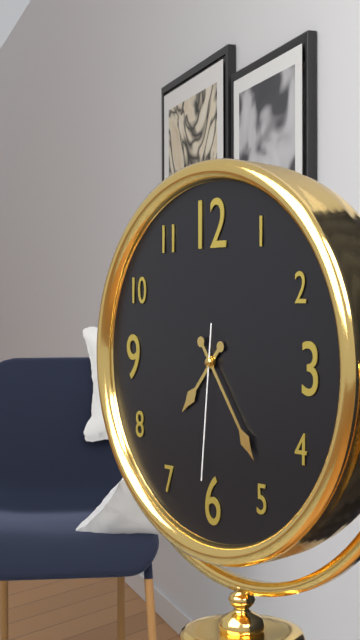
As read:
7:24:31
